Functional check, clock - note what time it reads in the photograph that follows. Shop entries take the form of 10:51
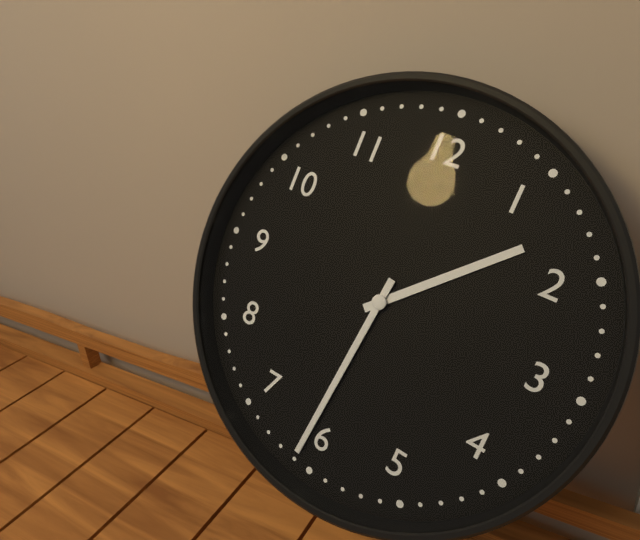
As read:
1:31
